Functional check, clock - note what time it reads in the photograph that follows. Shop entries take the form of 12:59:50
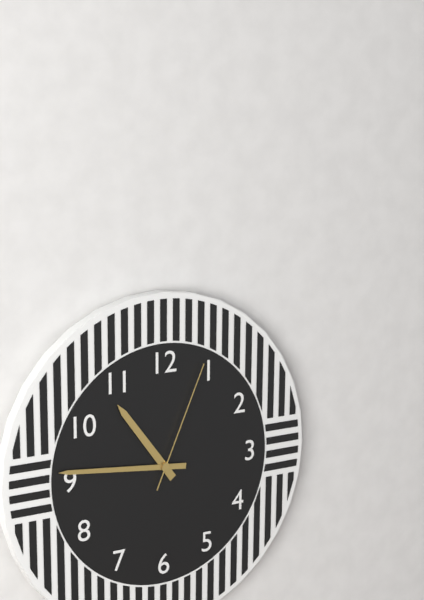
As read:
10:46:04
